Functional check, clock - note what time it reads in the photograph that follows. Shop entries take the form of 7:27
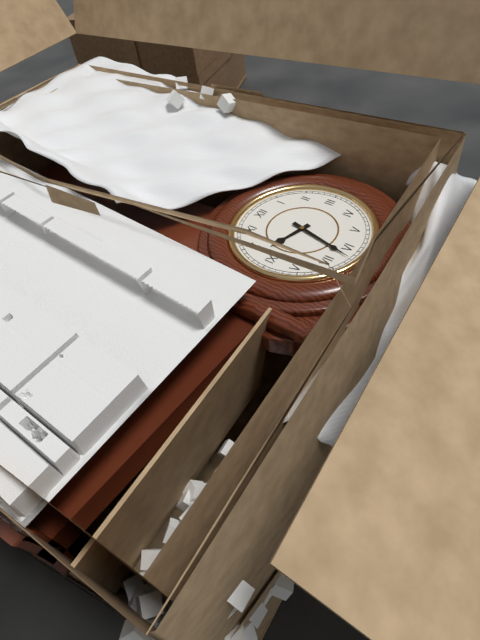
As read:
9:32
